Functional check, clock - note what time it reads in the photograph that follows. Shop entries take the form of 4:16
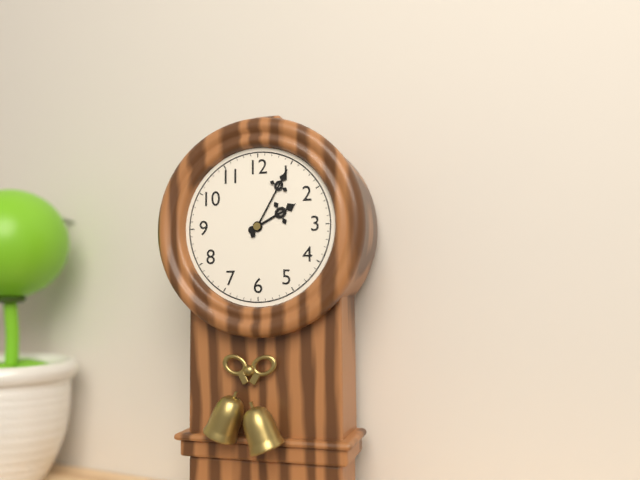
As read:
2:05
